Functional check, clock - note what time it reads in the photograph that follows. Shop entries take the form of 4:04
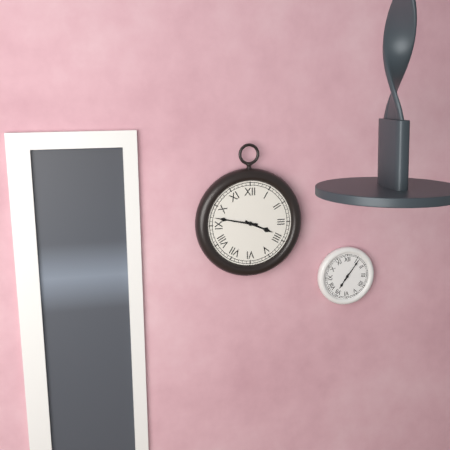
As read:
3:47
